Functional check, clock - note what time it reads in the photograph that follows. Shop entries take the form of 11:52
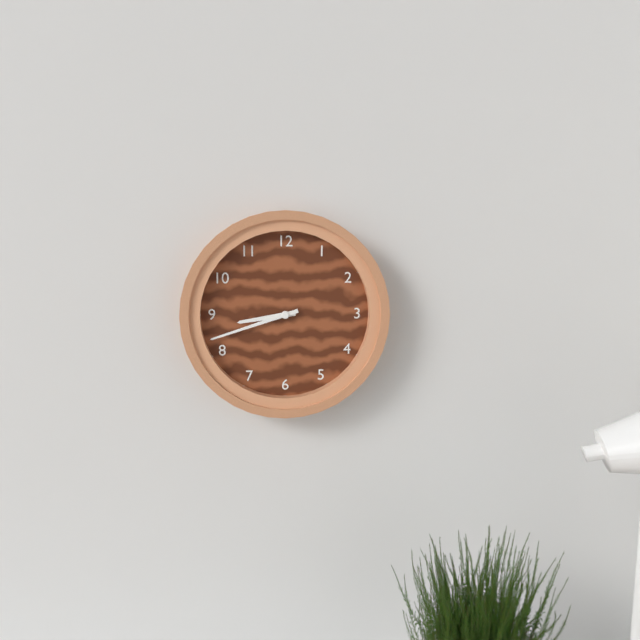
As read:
8:42
